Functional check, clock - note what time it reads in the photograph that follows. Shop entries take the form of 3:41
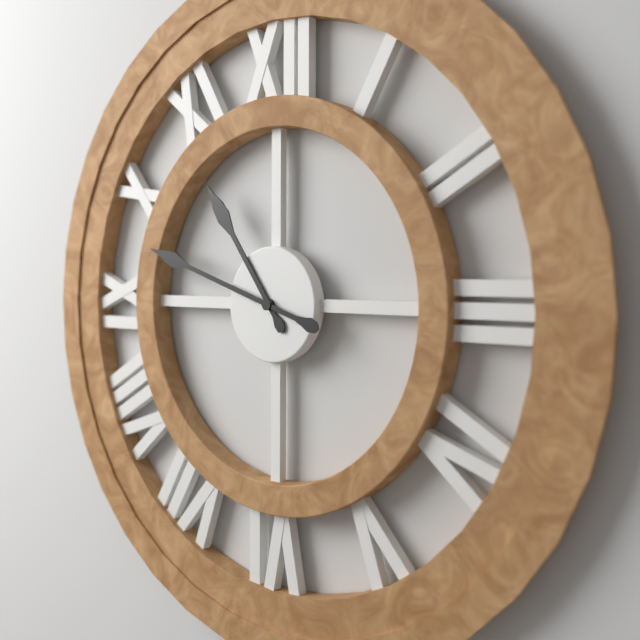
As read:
10:48
